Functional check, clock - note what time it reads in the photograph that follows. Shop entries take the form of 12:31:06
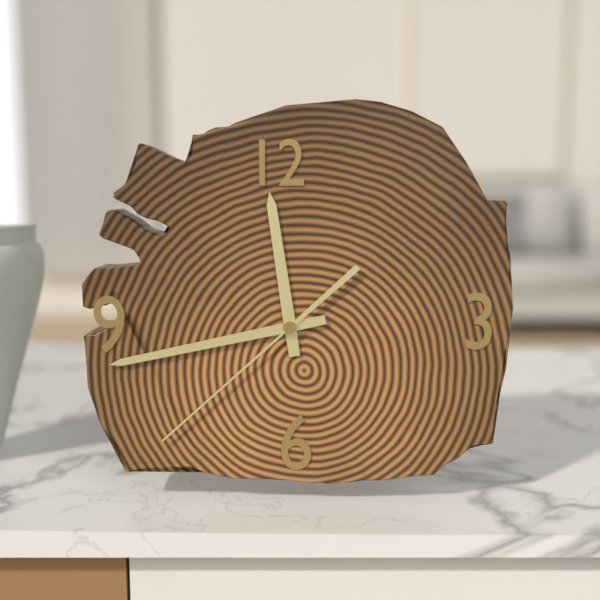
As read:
11:43:38
